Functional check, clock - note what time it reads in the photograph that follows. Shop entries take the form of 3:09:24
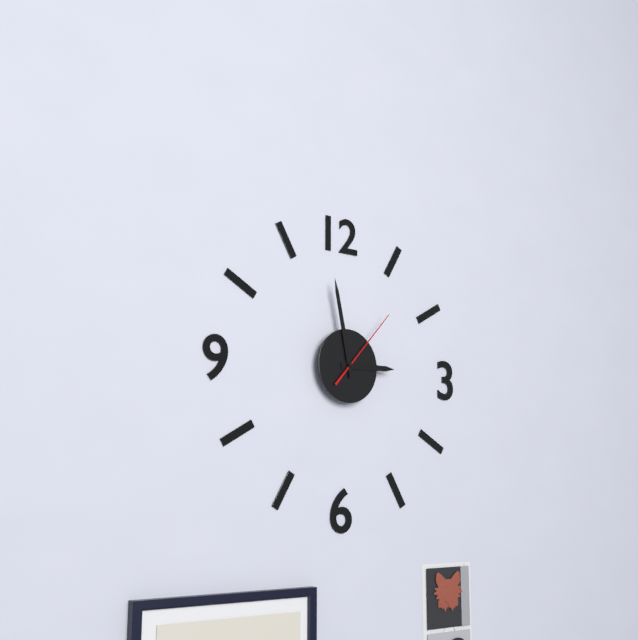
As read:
2:58:07
